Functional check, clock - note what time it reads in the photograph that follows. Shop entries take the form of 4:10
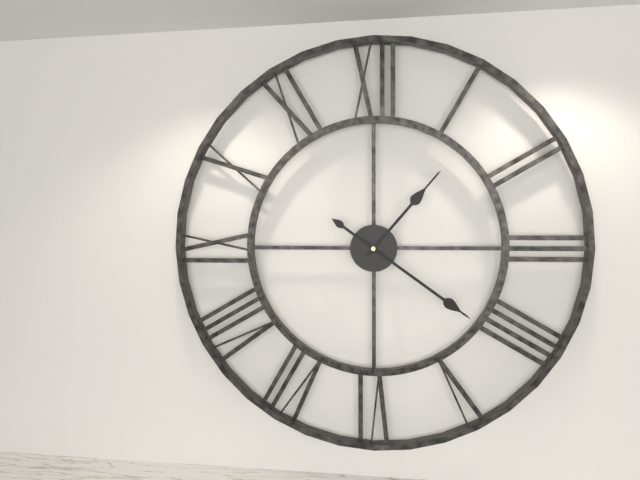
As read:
1:21
